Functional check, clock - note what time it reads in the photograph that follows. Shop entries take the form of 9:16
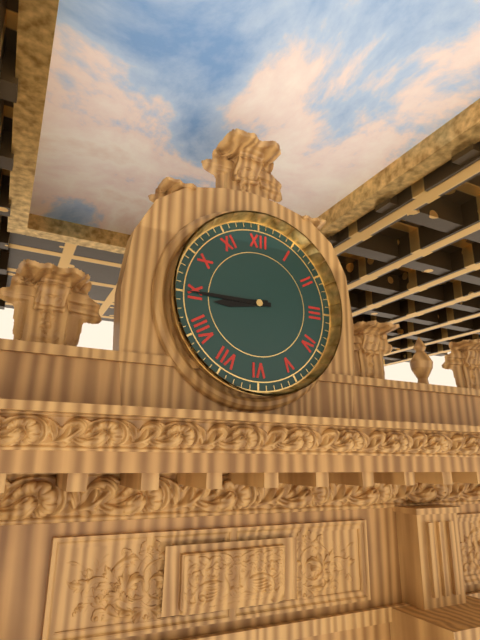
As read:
8:45
